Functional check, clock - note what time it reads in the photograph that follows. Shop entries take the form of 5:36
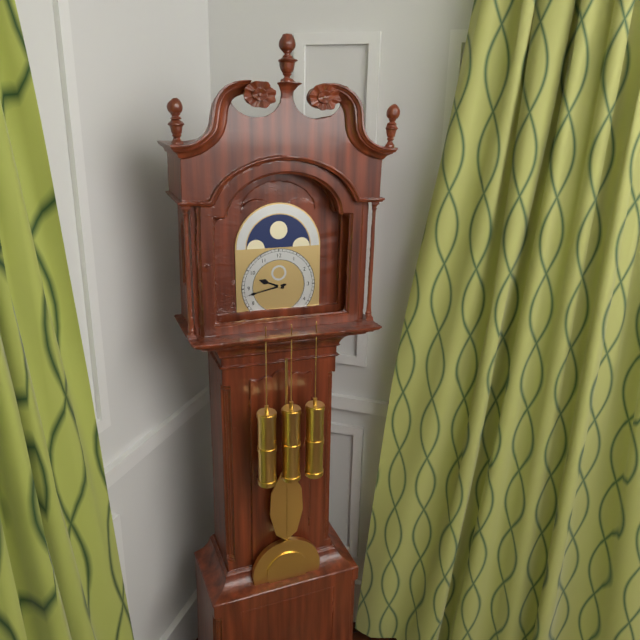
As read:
9:43
